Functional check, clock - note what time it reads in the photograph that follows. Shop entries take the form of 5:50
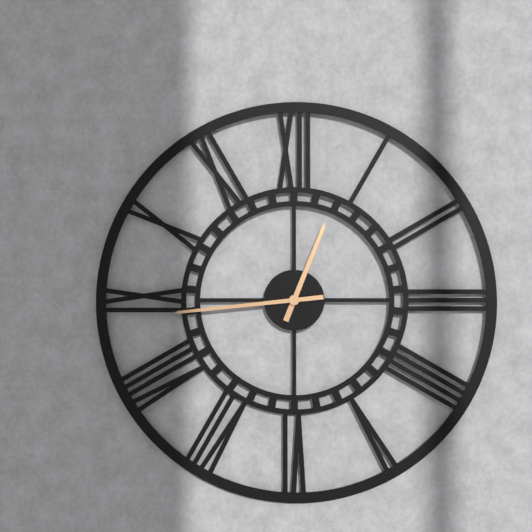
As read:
12:44
